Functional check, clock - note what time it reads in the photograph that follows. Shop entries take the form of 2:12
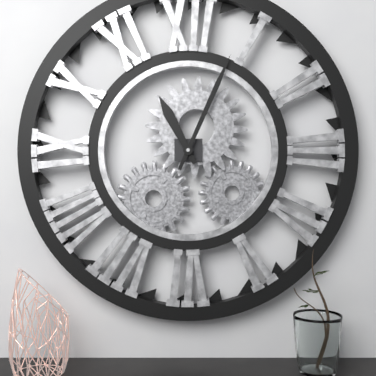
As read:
11:04
